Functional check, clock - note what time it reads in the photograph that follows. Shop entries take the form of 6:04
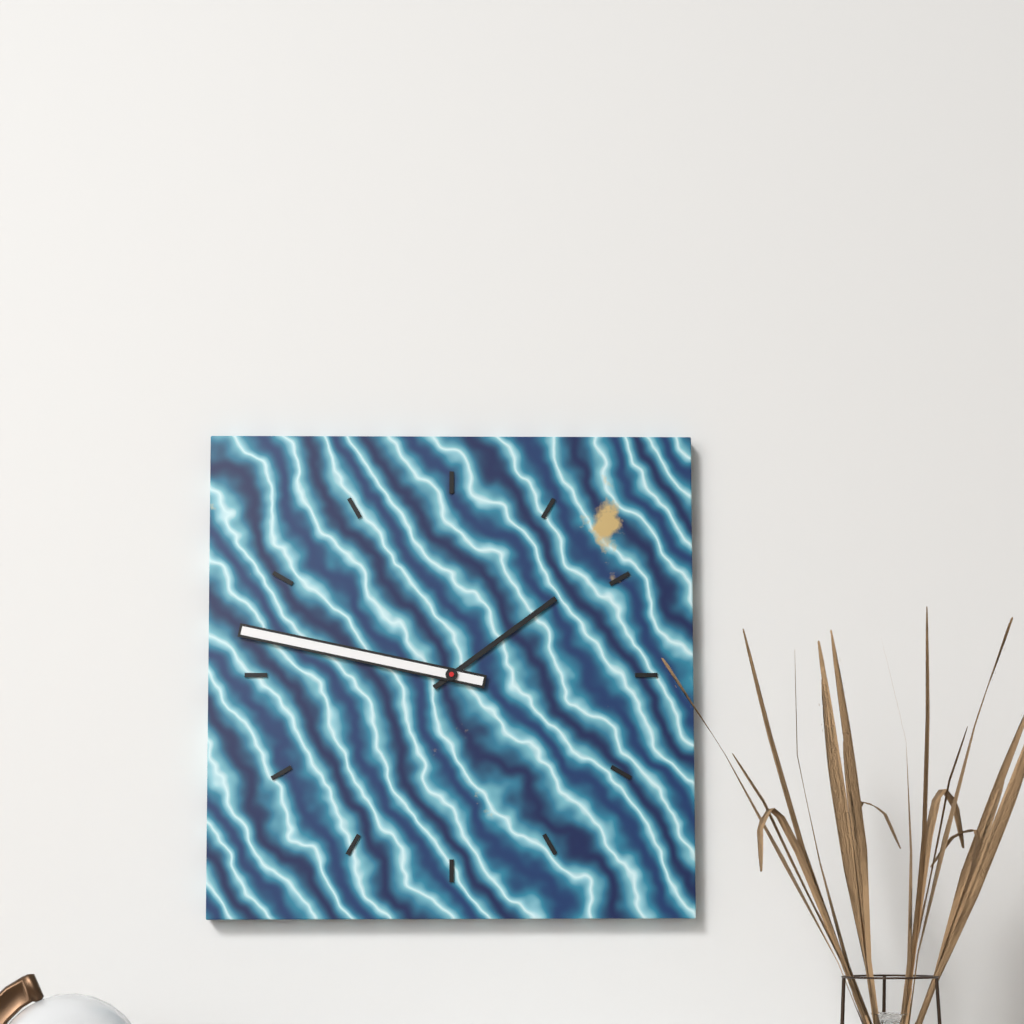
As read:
1:47
